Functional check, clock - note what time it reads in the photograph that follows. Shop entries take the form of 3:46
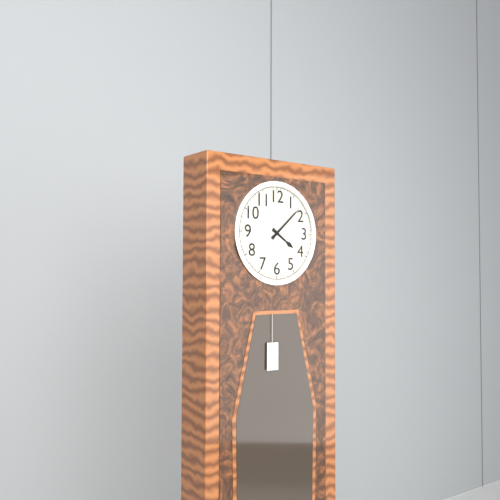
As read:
4:08
